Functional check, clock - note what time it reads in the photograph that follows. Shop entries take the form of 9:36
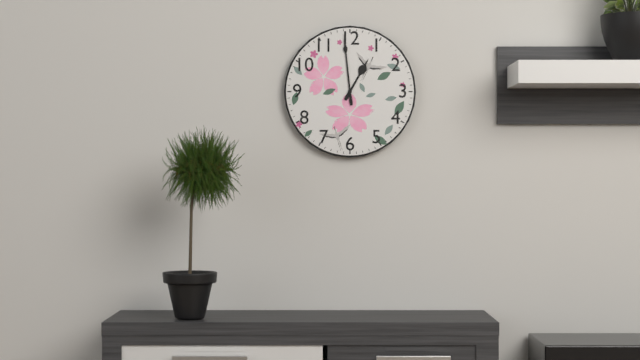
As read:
12:59
